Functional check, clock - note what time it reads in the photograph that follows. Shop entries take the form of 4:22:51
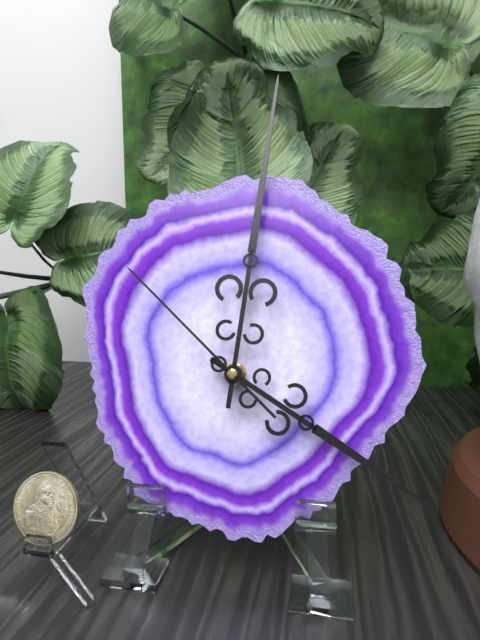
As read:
4:01:52
